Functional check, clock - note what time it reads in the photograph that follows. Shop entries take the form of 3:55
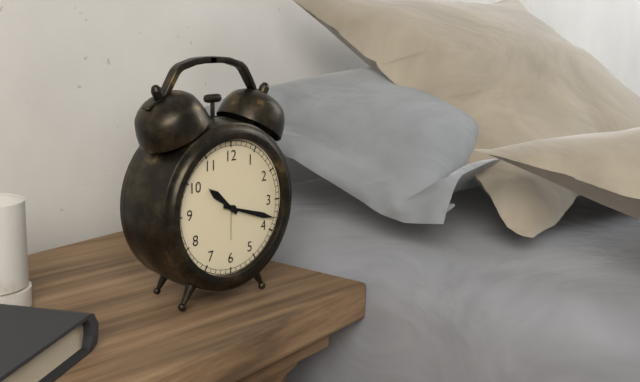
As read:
10:18
